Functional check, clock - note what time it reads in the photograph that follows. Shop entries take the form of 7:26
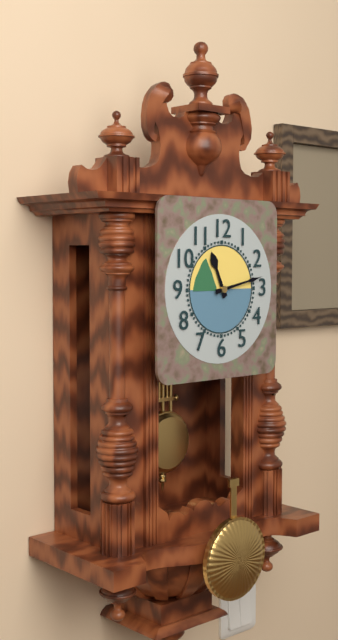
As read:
11:13
